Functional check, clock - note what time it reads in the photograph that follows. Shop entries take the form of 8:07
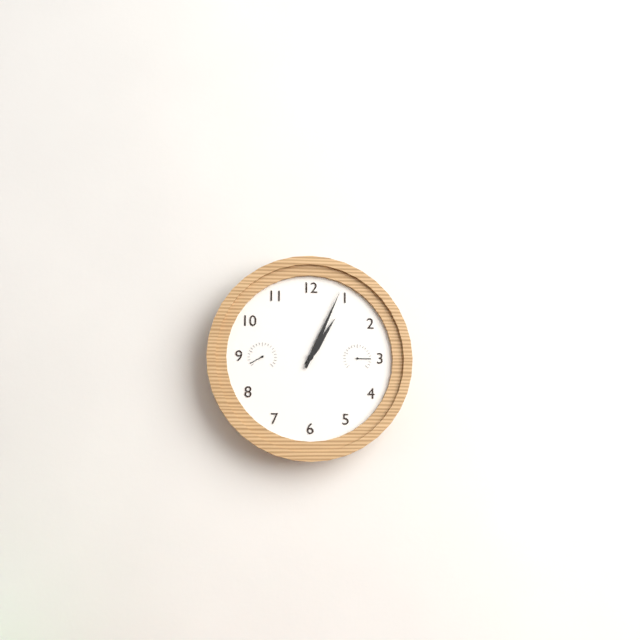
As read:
1:04
